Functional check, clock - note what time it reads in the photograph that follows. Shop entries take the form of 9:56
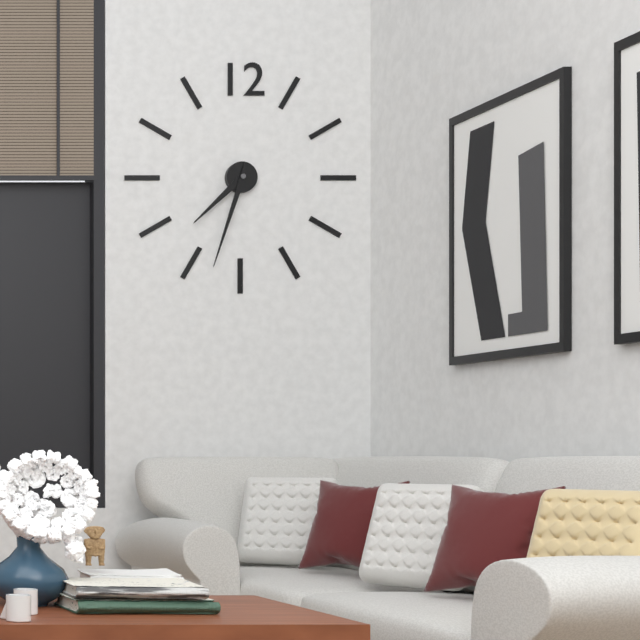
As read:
7:33
